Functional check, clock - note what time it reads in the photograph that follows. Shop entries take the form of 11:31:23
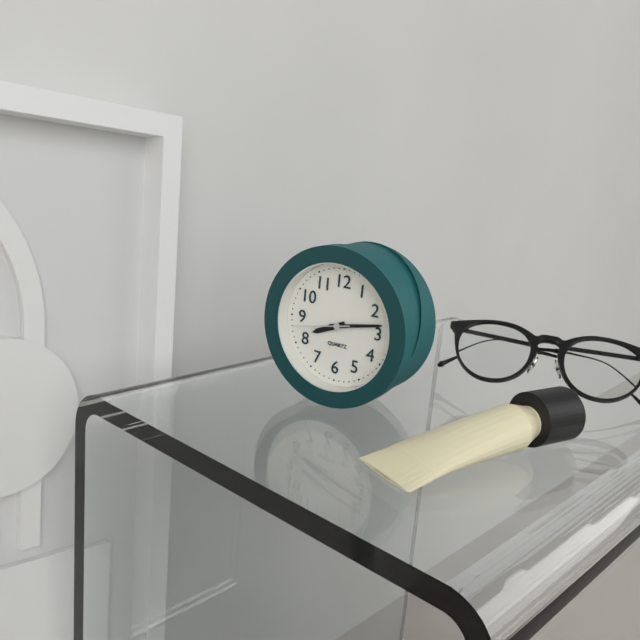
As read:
8:13:43
